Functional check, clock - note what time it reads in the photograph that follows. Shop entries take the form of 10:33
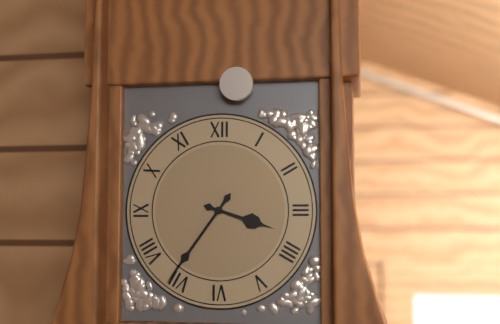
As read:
3:36
